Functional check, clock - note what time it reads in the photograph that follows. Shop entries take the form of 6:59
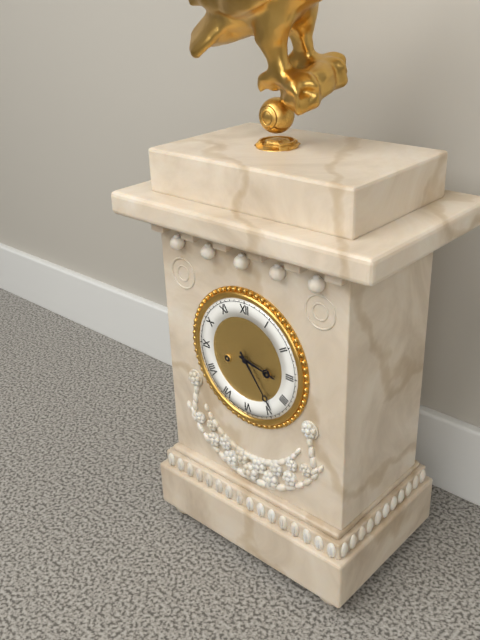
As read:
3:24
